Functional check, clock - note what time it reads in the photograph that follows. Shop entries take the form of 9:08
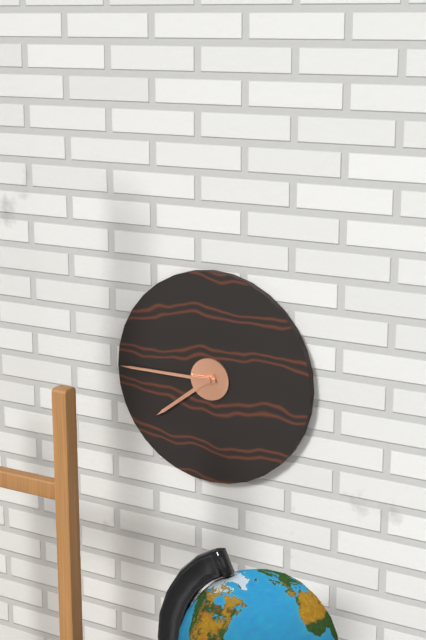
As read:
7:45
